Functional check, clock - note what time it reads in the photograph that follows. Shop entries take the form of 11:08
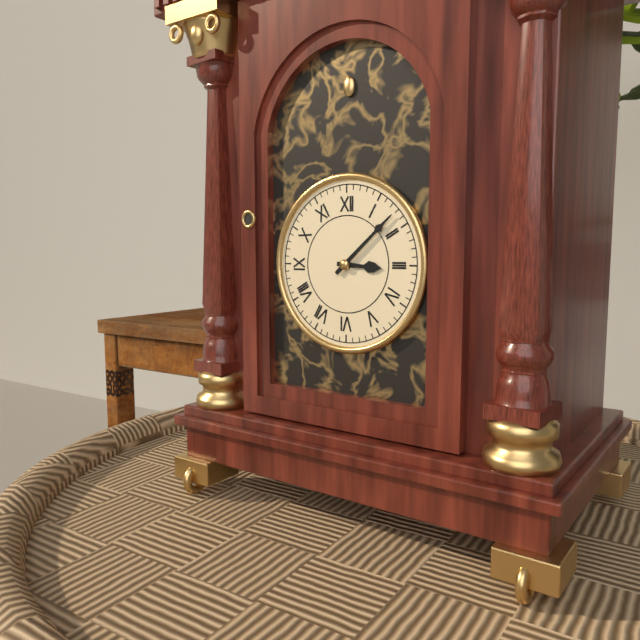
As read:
3:08
